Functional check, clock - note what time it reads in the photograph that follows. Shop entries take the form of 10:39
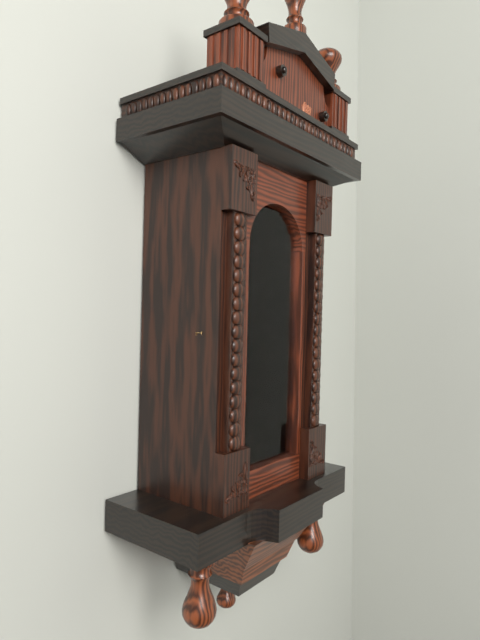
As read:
11:19
